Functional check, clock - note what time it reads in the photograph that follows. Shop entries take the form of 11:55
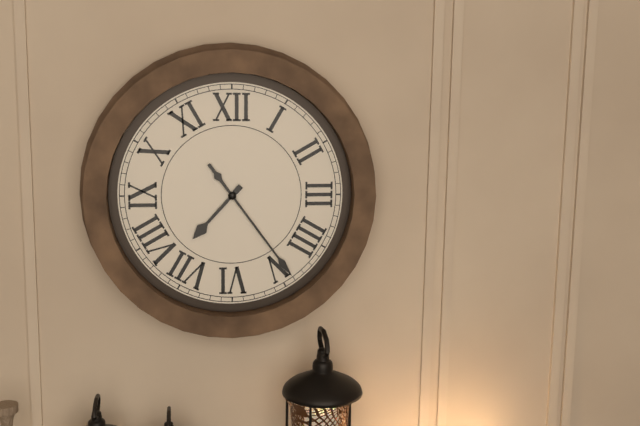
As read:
7:24
